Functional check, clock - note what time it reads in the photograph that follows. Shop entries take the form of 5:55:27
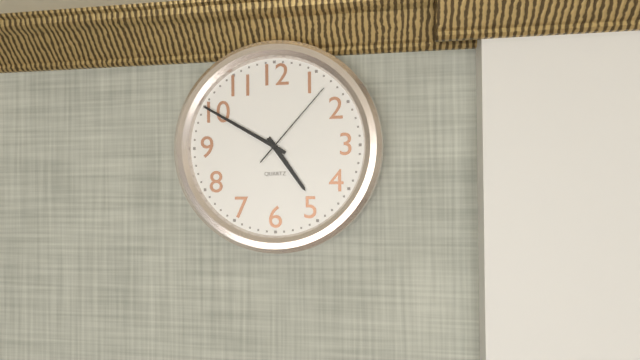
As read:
4:50:07
